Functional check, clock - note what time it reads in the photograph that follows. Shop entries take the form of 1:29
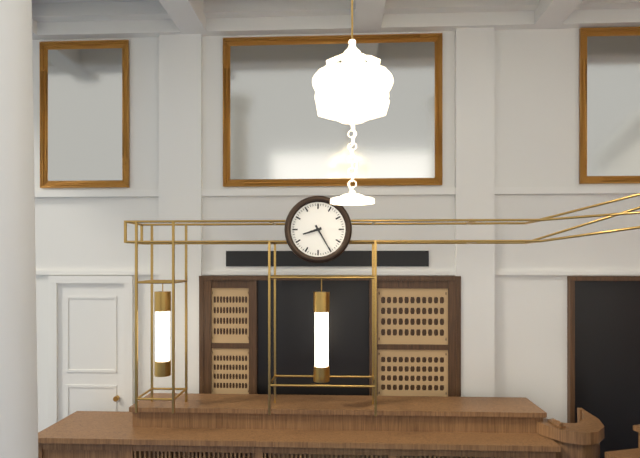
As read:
8:25
